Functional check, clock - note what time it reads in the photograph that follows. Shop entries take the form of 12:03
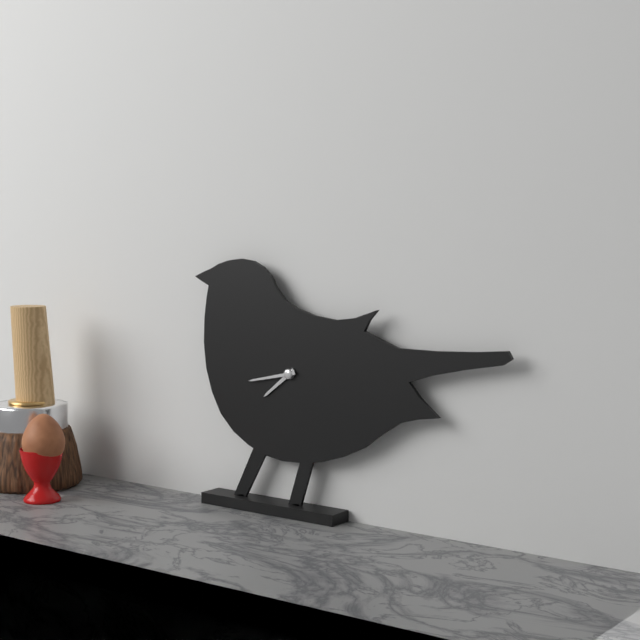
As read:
7:43
